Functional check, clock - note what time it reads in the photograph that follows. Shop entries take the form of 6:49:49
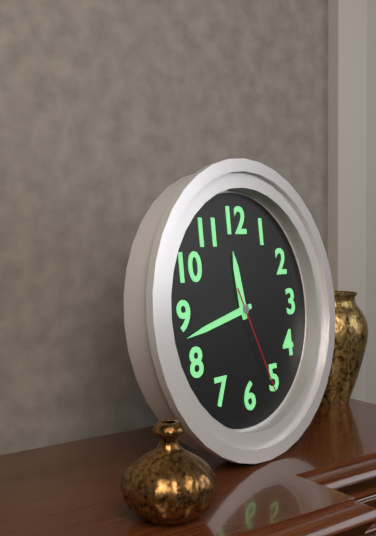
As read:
11:43:26
